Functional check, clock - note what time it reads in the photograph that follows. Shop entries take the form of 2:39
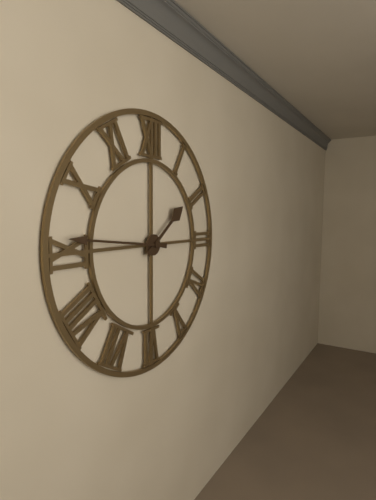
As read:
1:46
